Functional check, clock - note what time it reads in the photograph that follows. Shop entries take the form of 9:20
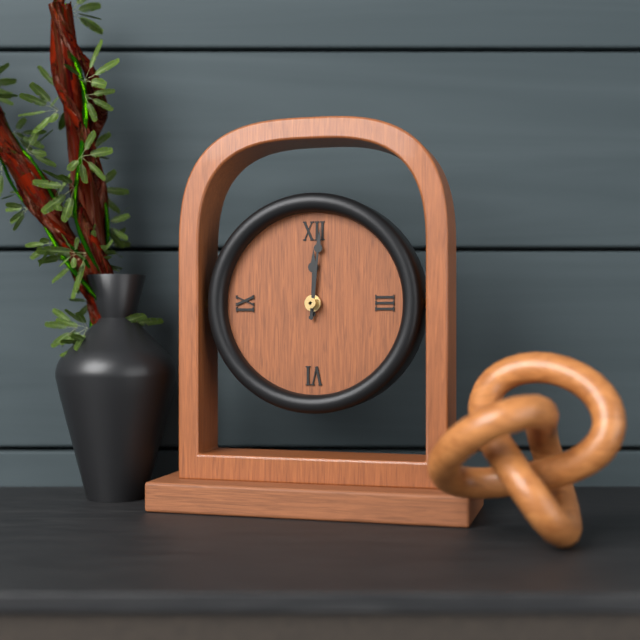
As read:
12:01
